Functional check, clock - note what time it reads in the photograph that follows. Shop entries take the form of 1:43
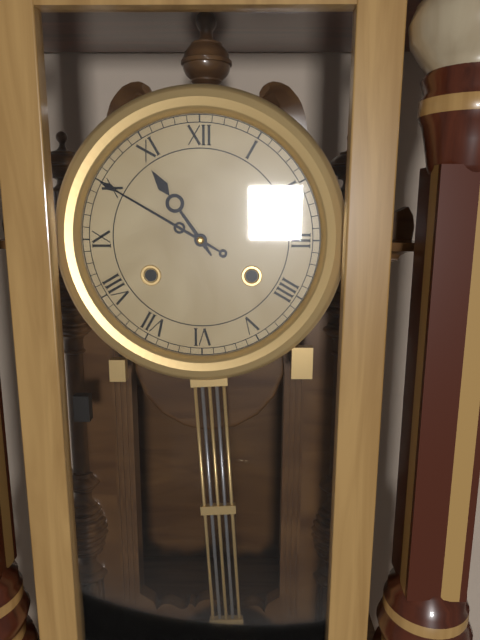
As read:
10:50
